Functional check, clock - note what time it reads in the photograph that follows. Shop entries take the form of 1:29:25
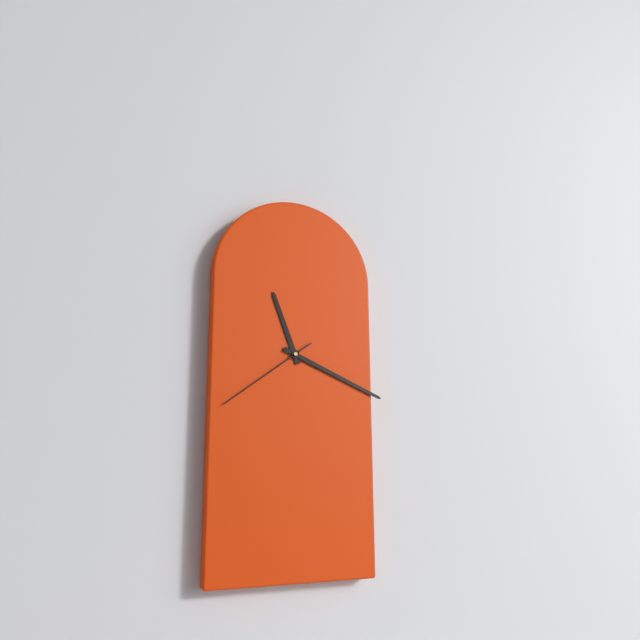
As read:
11:19:39
